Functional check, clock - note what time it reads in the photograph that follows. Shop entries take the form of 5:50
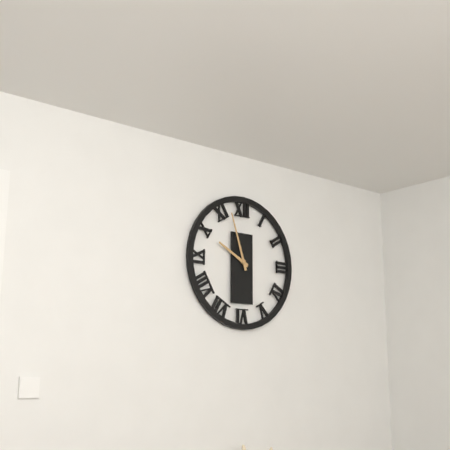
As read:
9:57
